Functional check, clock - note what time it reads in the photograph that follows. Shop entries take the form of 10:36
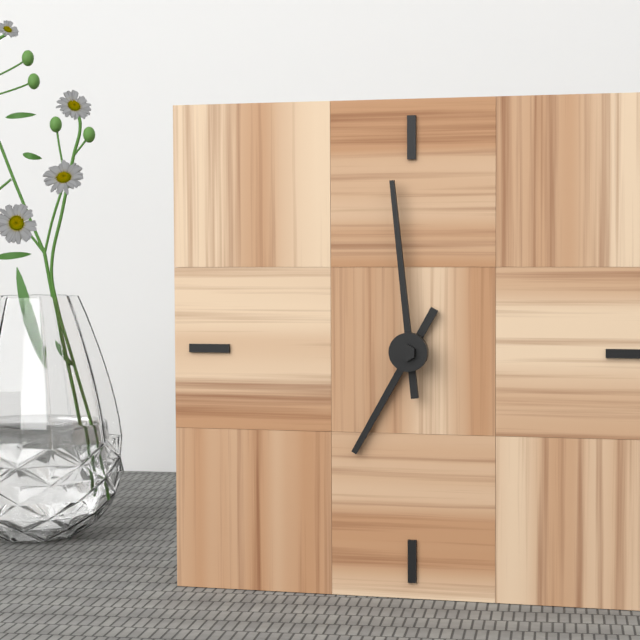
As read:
6:59
